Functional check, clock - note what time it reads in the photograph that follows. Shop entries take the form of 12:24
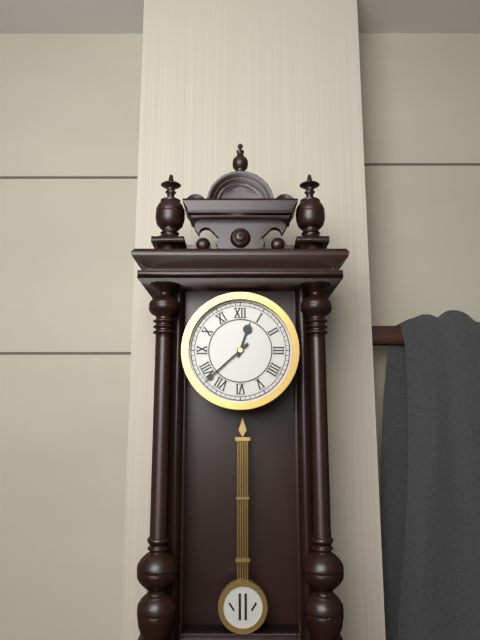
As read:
12:38
